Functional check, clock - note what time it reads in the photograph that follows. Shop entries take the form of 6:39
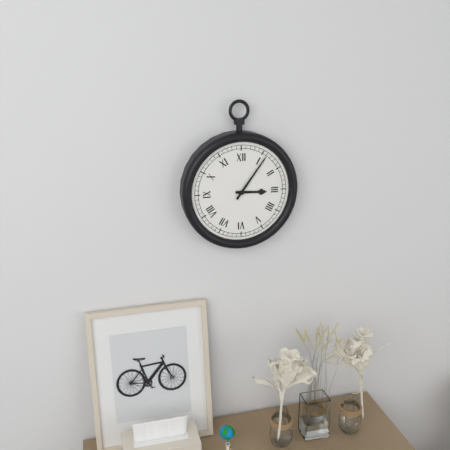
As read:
3:06
